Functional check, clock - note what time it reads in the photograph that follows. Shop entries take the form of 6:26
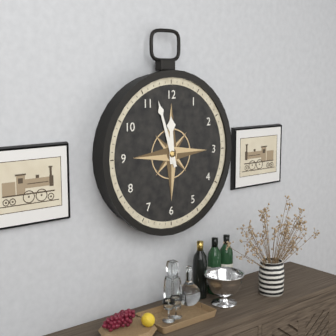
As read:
11:57
